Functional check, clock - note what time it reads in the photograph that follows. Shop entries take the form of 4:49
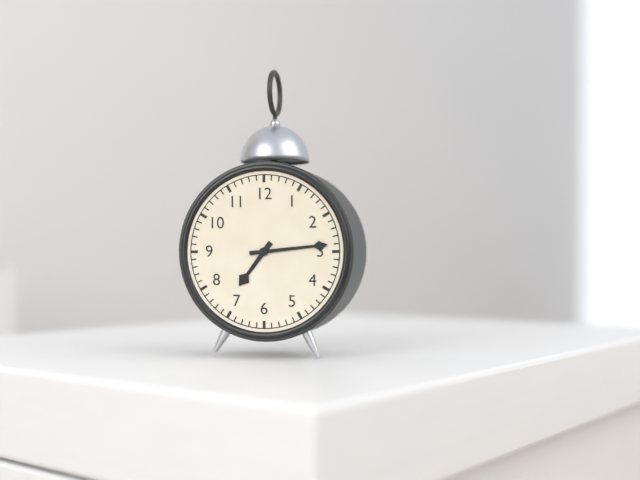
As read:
7:14
